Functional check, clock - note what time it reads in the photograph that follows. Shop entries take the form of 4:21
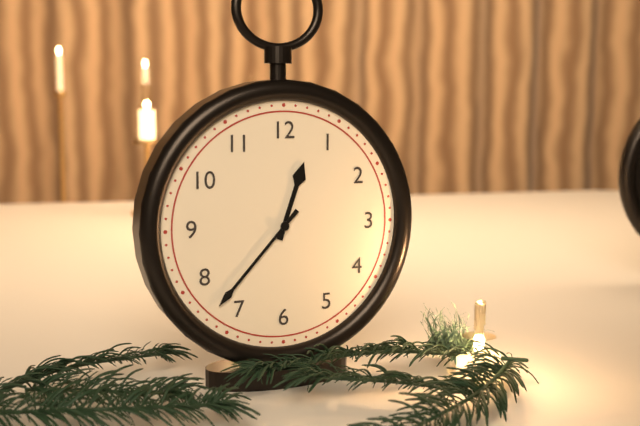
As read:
12:37
